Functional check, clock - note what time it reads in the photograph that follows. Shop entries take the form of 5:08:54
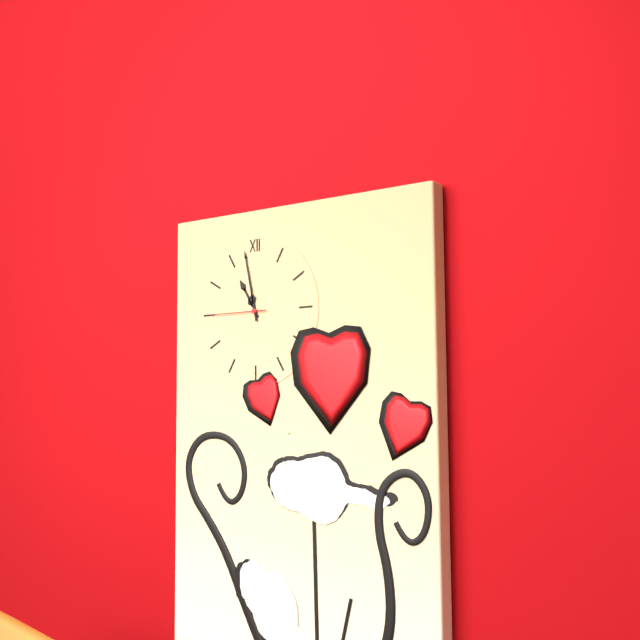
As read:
10:58:45
